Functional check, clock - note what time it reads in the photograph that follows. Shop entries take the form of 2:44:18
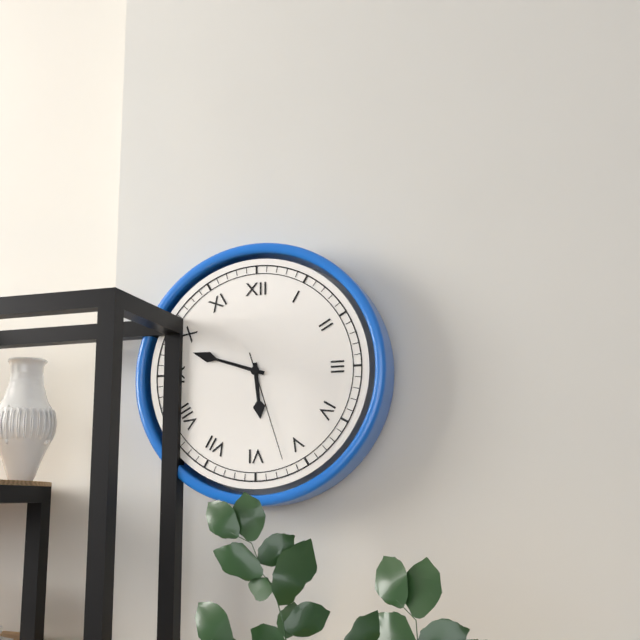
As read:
5:48:27
